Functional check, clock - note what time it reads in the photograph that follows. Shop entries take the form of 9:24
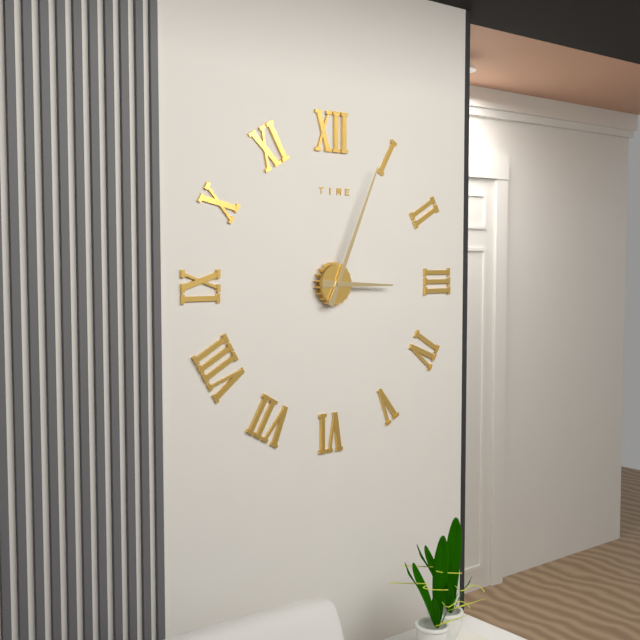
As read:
3:04
